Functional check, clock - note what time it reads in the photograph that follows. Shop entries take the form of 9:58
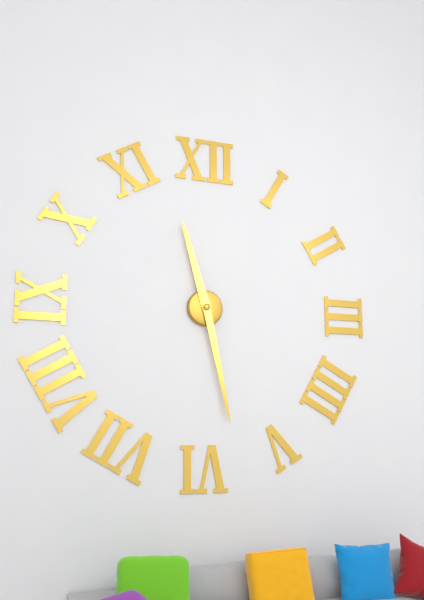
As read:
11:28
